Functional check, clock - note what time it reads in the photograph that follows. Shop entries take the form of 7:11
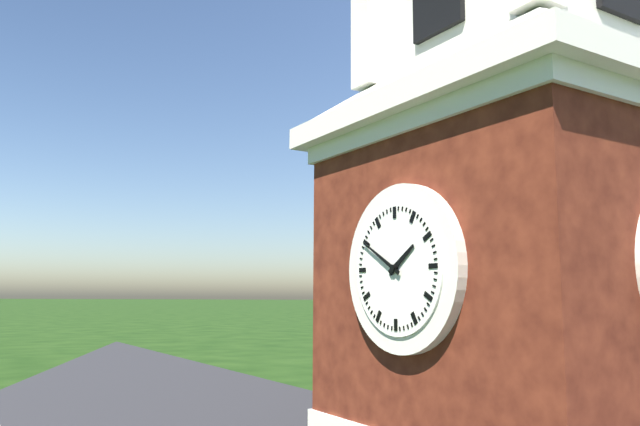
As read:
1:50
